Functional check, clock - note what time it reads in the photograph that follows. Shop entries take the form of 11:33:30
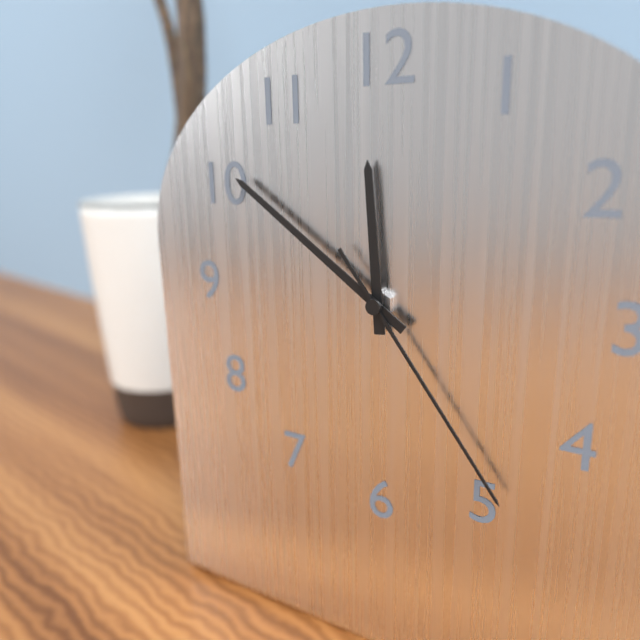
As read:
11:51:24
